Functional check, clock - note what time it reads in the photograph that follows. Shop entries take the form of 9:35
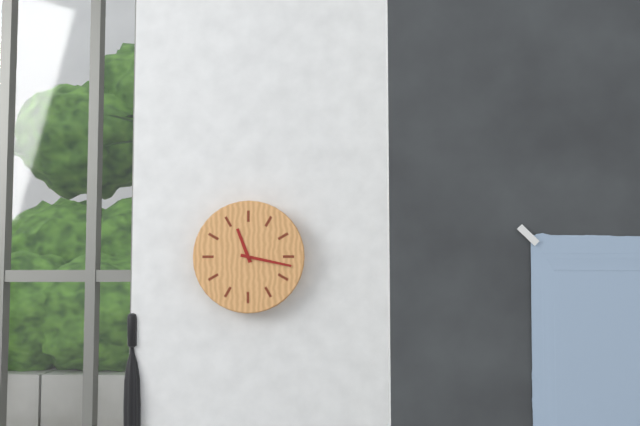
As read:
11:17
